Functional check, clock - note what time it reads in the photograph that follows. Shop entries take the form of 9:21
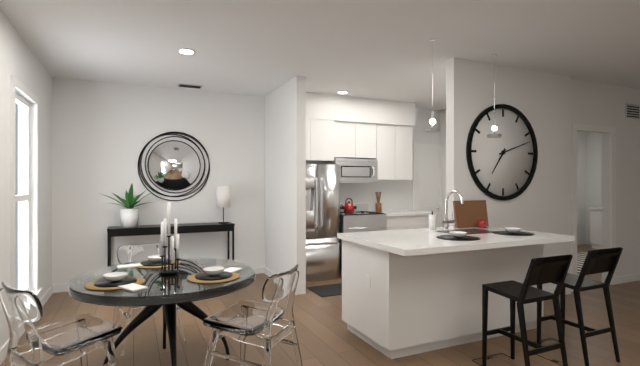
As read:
7:12
